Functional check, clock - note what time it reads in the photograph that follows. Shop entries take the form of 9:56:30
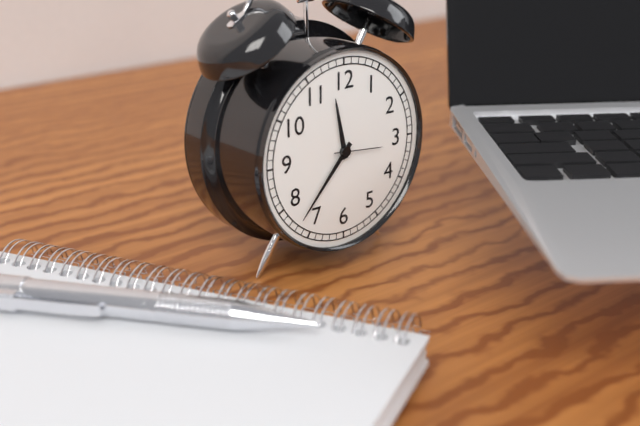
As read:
11:37:16
